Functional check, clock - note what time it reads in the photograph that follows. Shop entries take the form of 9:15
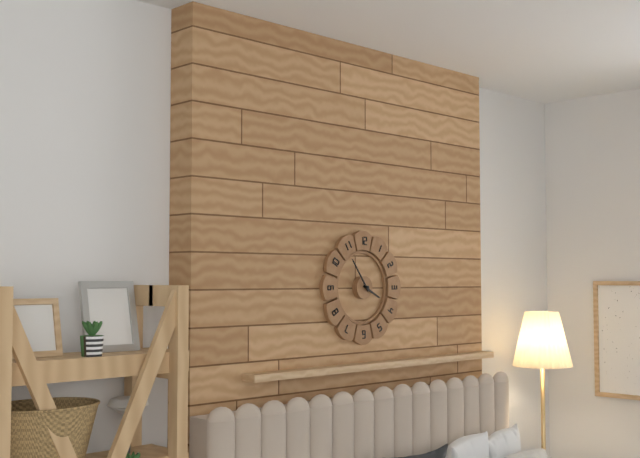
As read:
3:54
